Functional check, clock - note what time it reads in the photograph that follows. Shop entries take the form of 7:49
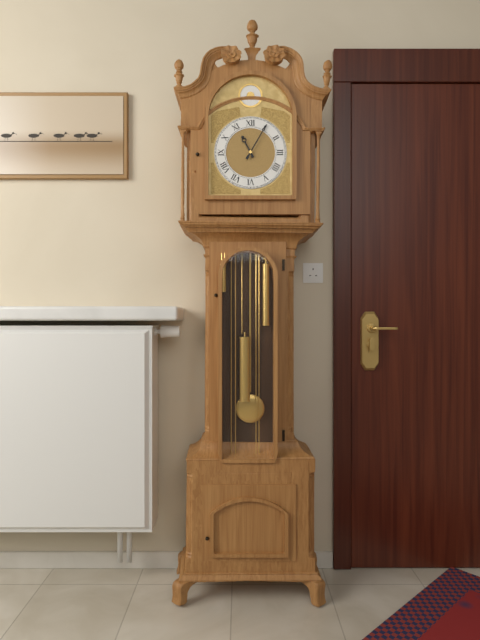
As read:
11:05
